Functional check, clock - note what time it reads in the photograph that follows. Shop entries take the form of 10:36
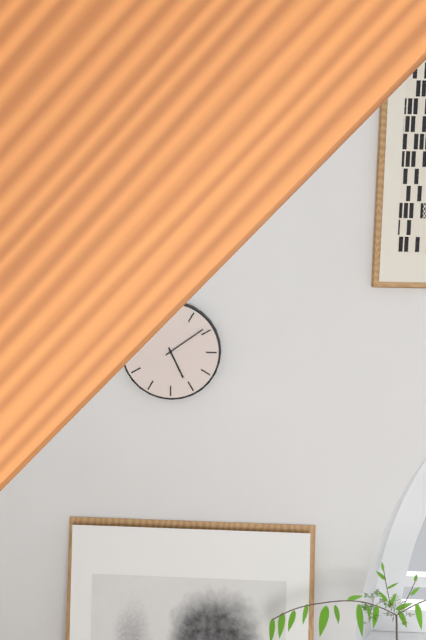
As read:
5:09
